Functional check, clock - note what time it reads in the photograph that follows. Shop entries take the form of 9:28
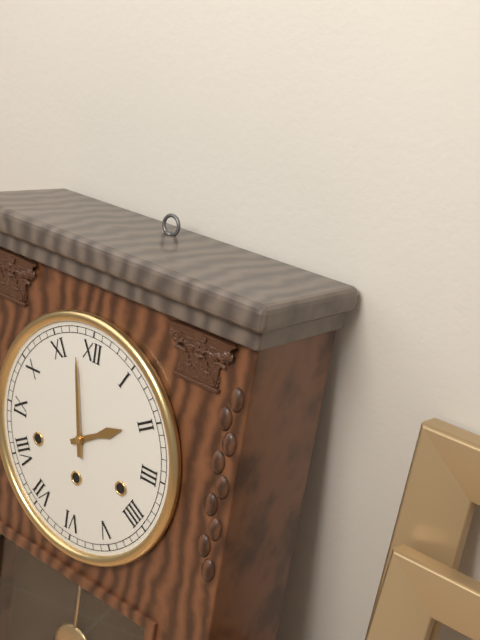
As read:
1:58
